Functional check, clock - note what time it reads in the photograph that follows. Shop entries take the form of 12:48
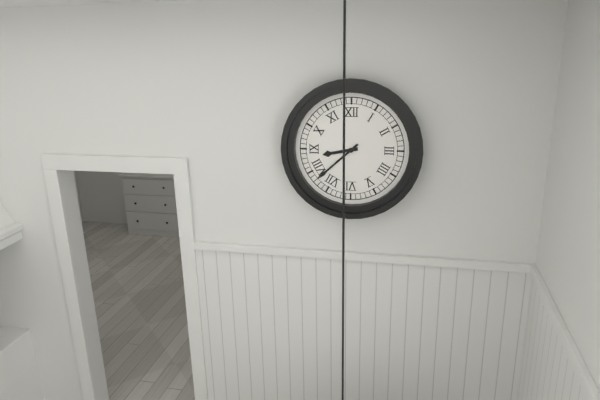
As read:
8:38
